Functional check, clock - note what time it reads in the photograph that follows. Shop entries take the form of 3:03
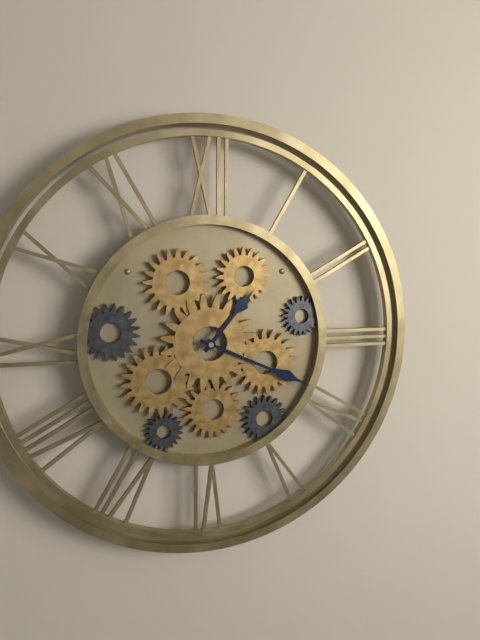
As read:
1:19
